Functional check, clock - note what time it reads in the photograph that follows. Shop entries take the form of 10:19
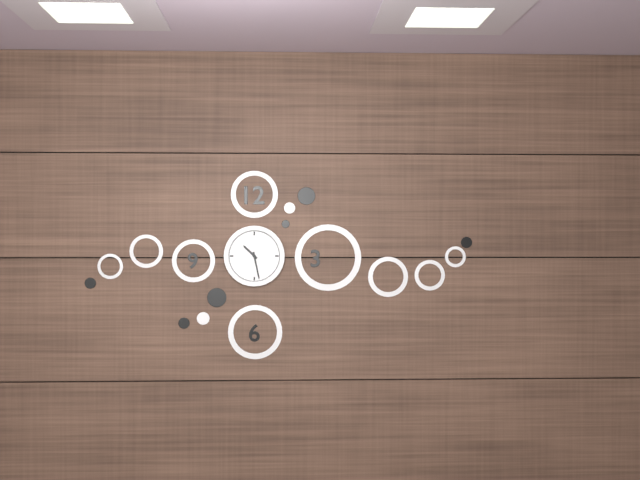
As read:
10:28
